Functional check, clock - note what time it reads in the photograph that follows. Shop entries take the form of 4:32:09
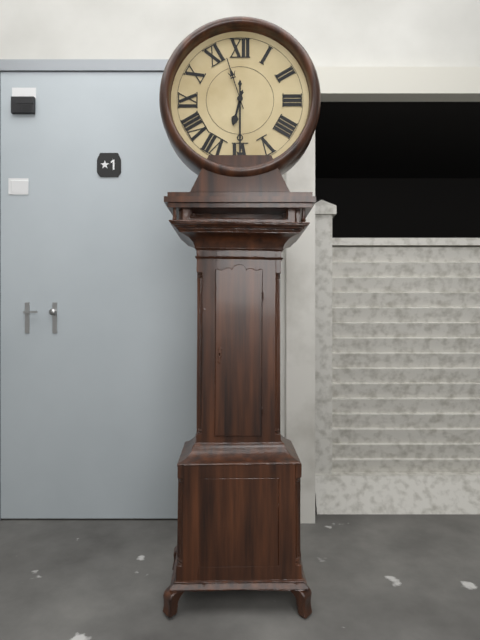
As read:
6:30:57
